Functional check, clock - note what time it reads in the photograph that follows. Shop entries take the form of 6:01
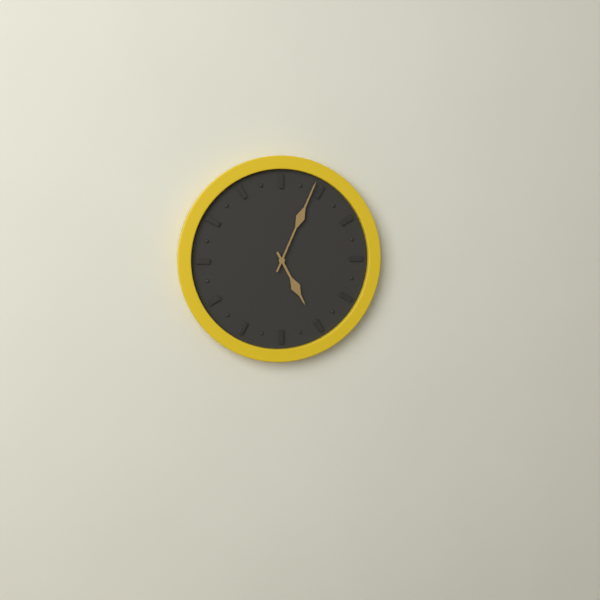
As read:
5:04
